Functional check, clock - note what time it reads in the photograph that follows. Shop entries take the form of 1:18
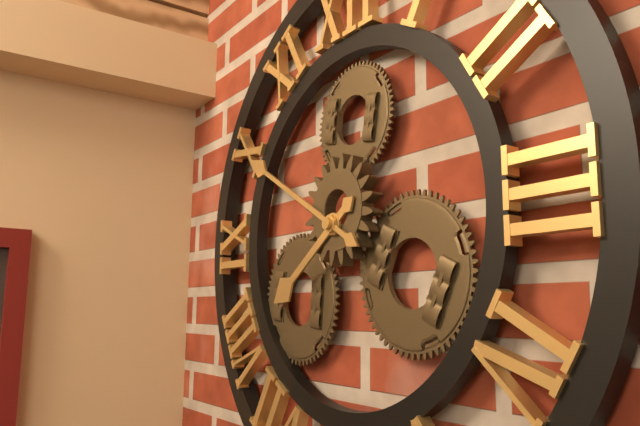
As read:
7:50
